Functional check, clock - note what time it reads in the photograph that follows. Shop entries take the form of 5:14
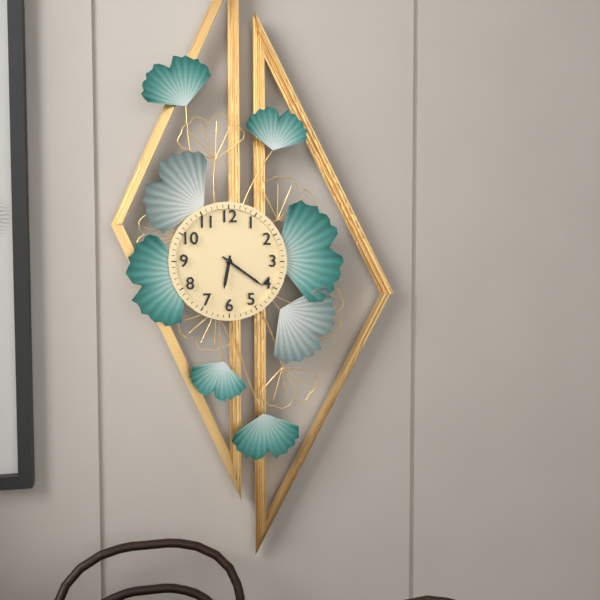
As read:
6:21
